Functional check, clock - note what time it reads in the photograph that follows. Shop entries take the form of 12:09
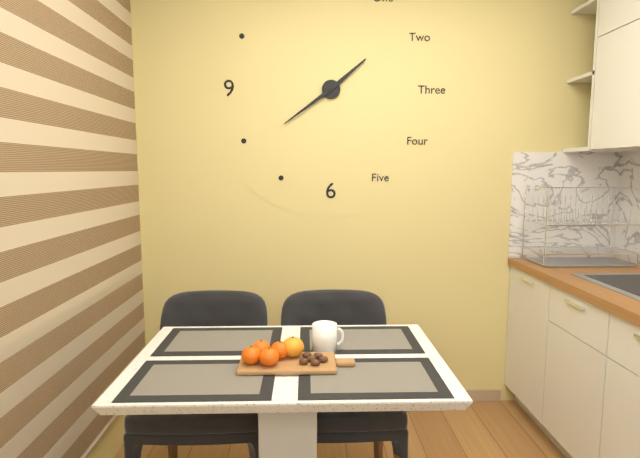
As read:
1:39
